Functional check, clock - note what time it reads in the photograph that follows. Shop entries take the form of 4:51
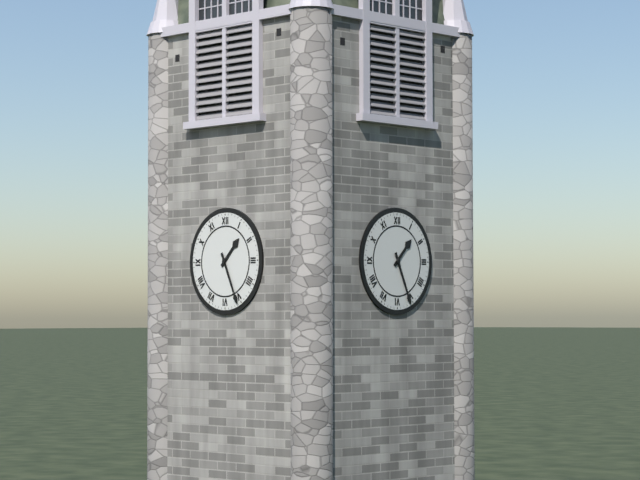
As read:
1:26
